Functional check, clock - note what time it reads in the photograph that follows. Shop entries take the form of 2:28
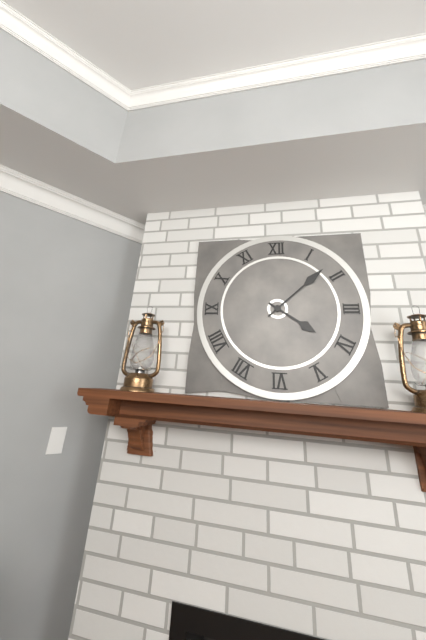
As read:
4:08
